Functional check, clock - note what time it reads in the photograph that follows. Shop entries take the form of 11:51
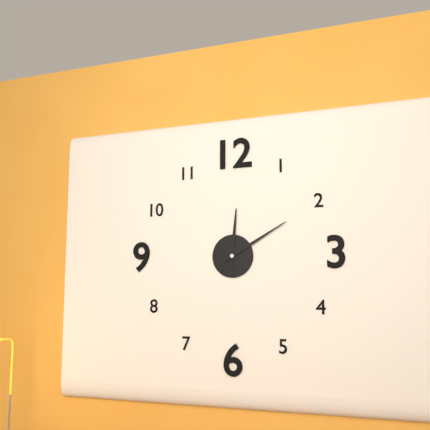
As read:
12:10
